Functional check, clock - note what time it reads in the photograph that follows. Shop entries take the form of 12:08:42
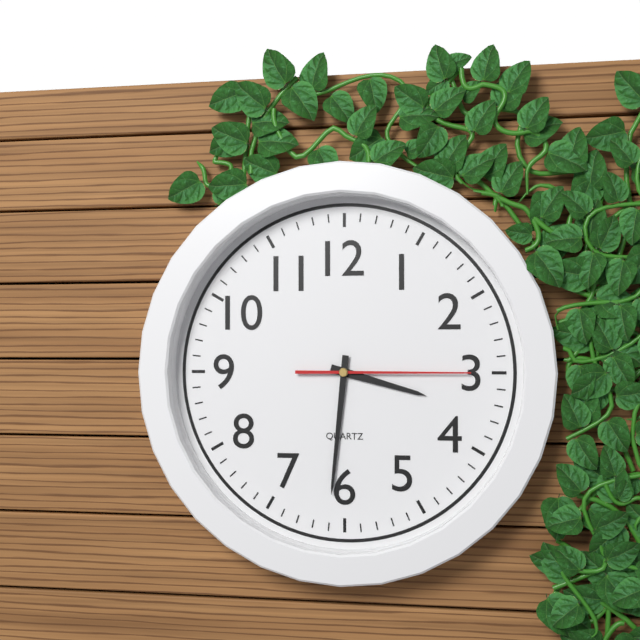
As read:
3:31:15
